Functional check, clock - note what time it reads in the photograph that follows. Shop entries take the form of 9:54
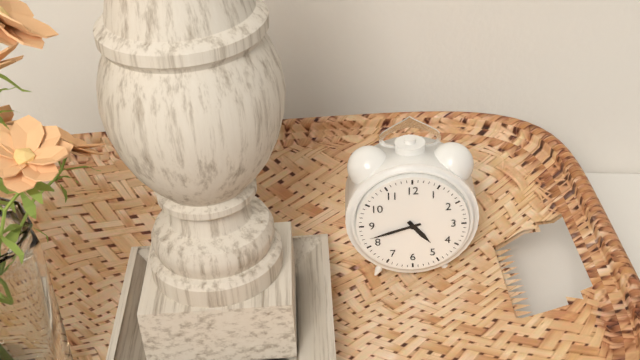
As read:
4:42
